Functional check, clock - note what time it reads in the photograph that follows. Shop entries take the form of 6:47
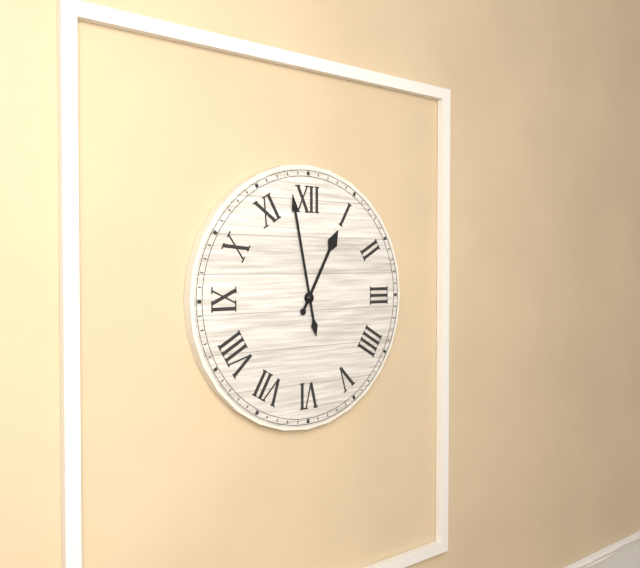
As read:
12:58
